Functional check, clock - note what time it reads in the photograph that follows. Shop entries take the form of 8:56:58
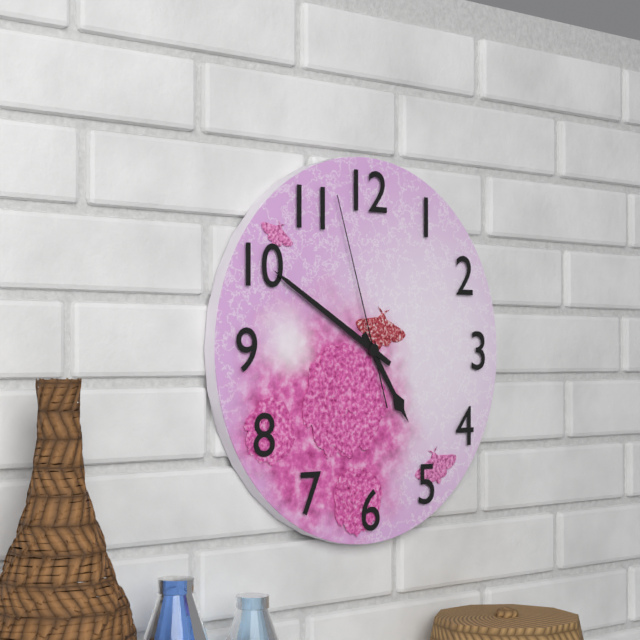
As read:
4:50:57
